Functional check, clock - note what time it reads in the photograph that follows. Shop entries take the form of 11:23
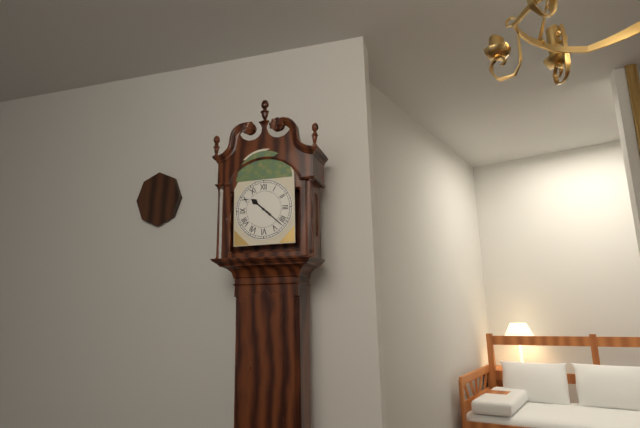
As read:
10:22
